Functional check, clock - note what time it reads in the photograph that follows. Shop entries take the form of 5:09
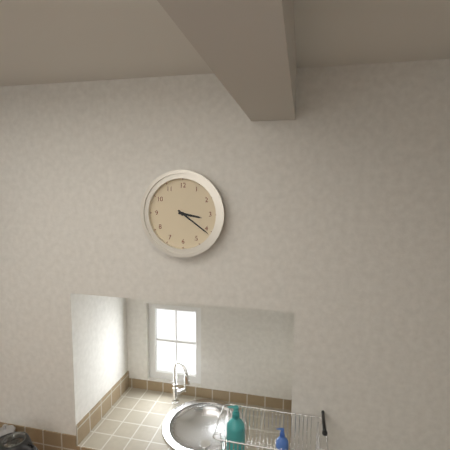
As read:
3:21
